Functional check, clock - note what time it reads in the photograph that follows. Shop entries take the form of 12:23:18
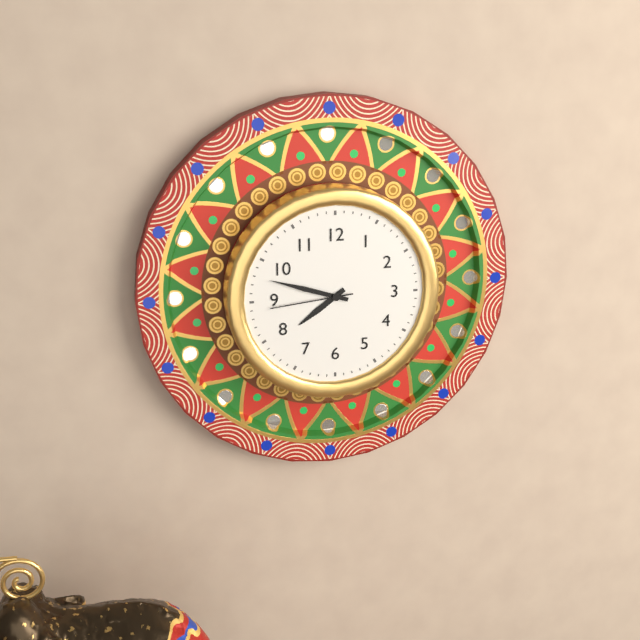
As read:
7:48:44
